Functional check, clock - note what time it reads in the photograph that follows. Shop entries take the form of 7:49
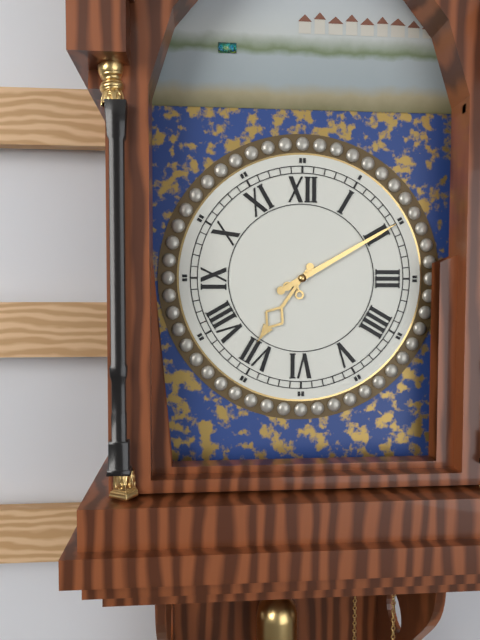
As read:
7:10
